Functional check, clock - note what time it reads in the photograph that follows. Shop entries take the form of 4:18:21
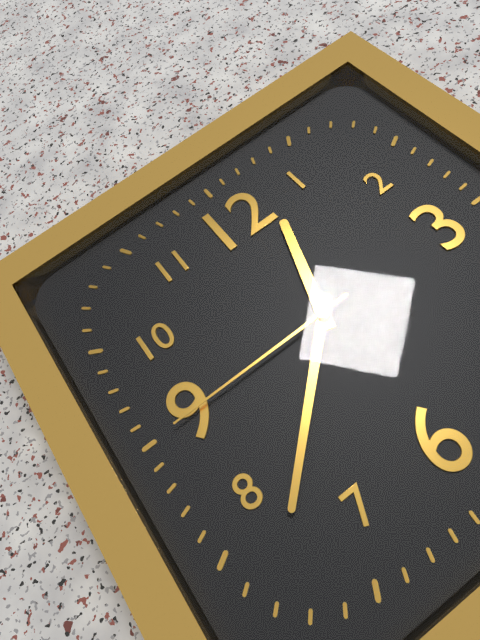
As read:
12:38:45
